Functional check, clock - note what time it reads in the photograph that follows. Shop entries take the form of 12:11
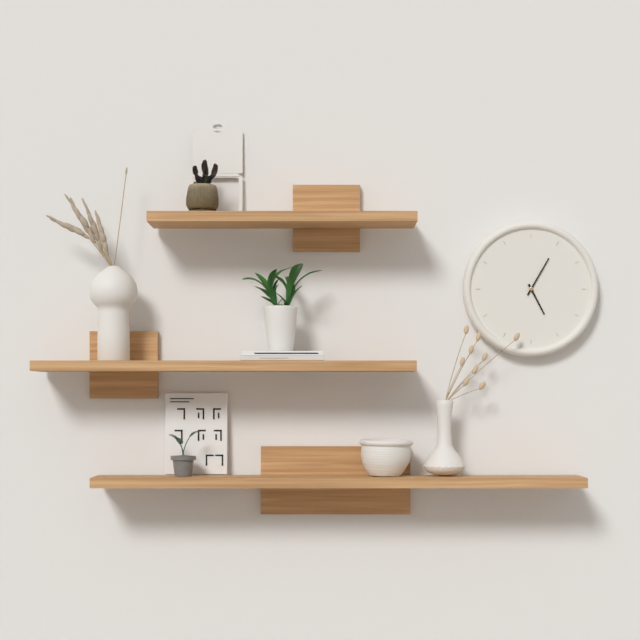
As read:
5:05
